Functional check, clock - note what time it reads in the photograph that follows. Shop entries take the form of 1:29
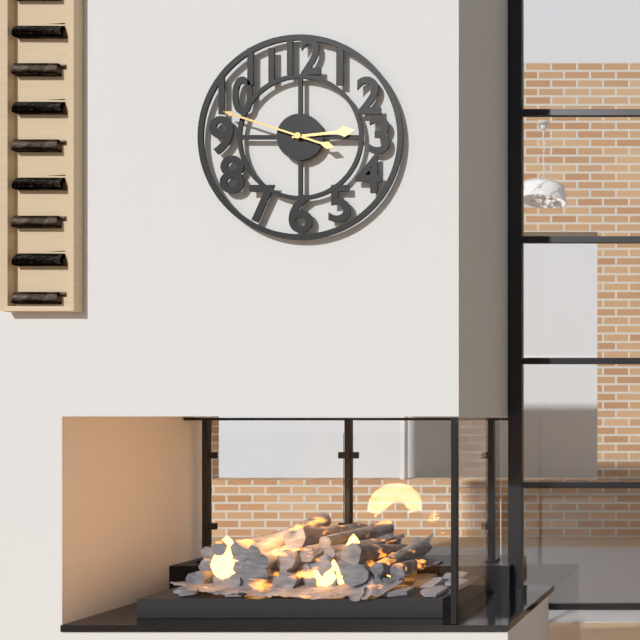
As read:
2:48
